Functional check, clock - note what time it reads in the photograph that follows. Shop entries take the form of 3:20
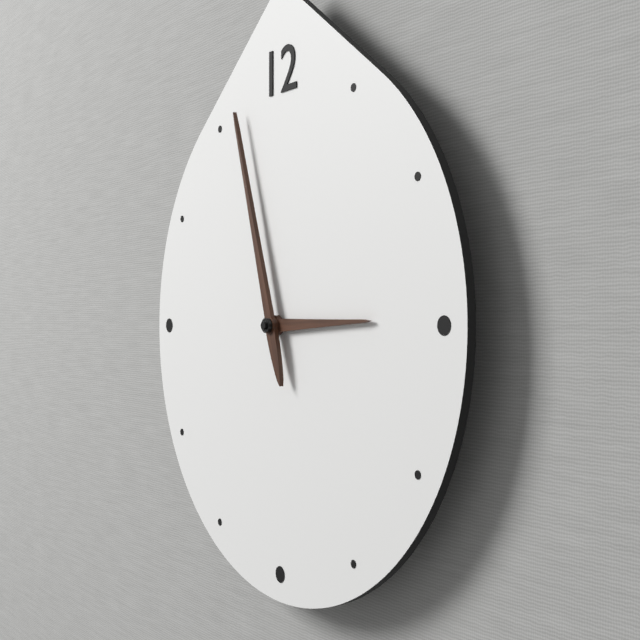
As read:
2:57
